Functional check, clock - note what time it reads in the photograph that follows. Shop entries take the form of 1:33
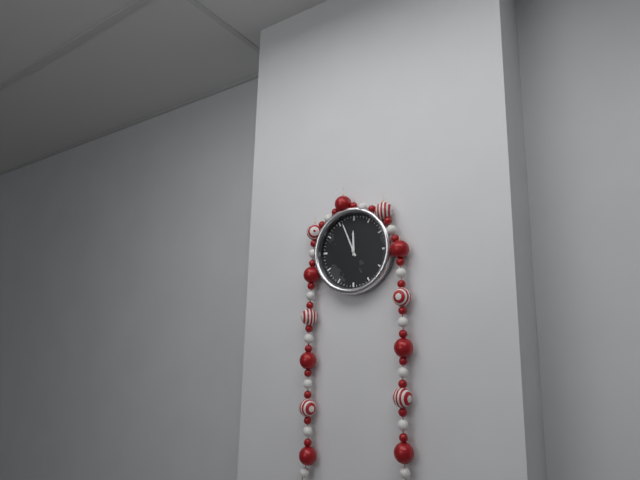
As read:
11:56
